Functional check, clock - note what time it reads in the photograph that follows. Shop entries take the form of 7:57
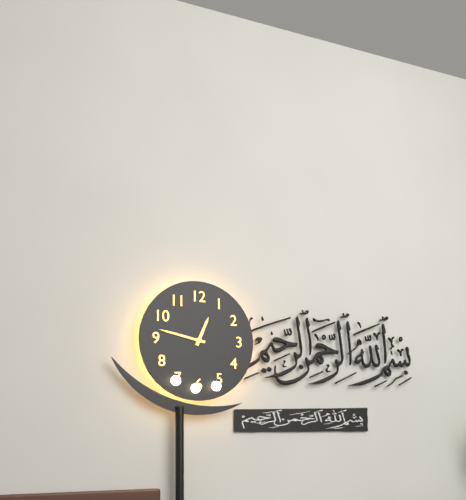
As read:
12:47
